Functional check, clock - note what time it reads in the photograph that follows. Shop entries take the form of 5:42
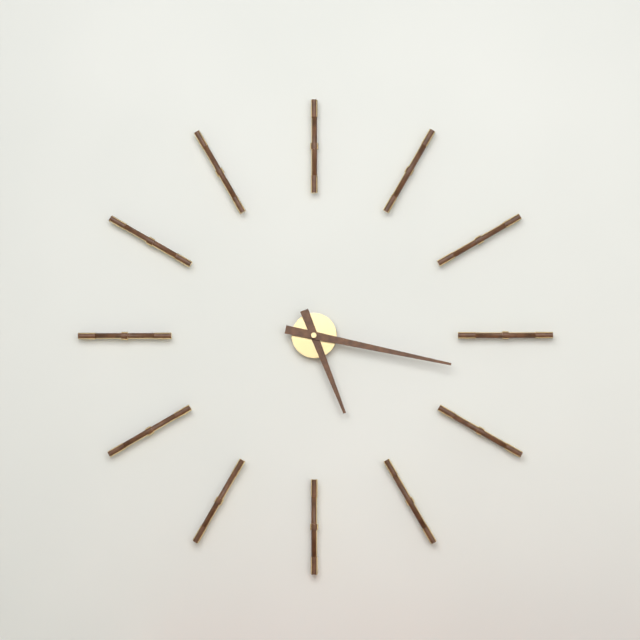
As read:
5:17
